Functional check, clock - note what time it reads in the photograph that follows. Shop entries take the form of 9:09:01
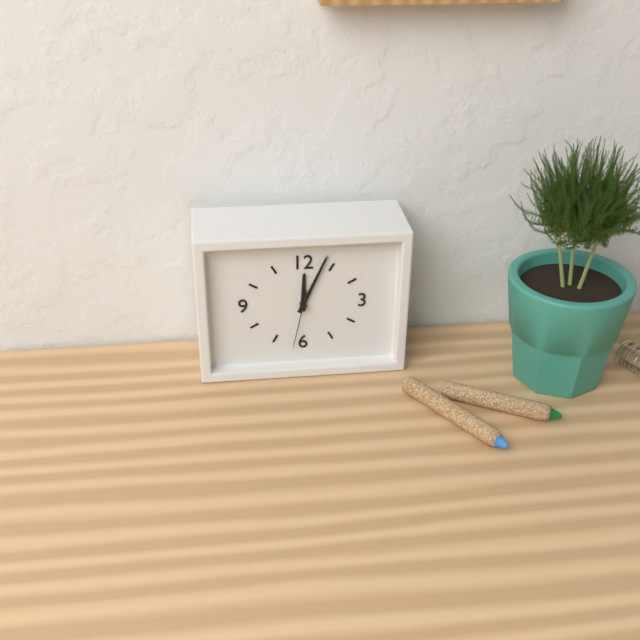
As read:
12:04:32
